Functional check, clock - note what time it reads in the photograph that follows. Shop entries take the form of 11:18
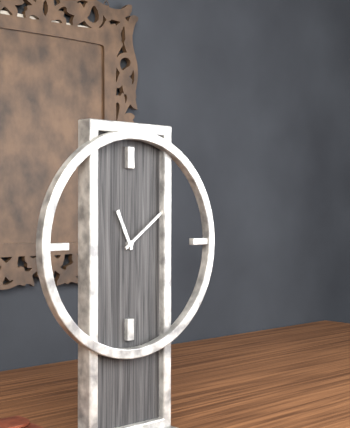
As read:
11:09
